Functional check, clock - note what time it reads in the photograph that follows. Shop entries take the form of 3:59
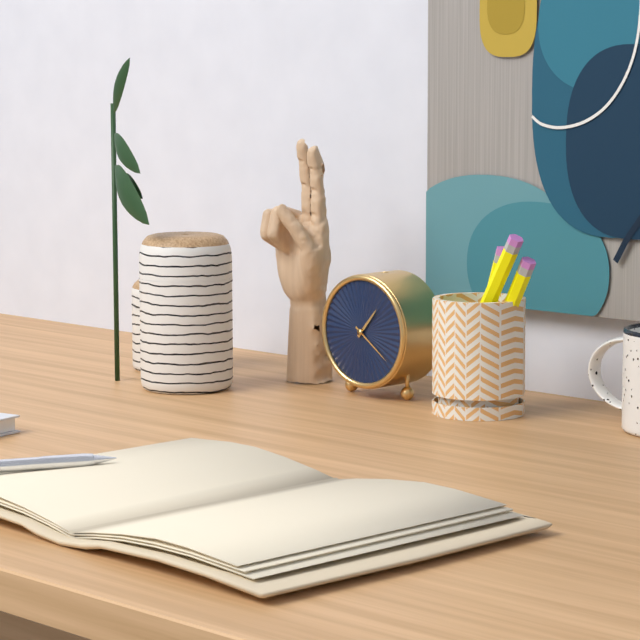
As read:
1:21
